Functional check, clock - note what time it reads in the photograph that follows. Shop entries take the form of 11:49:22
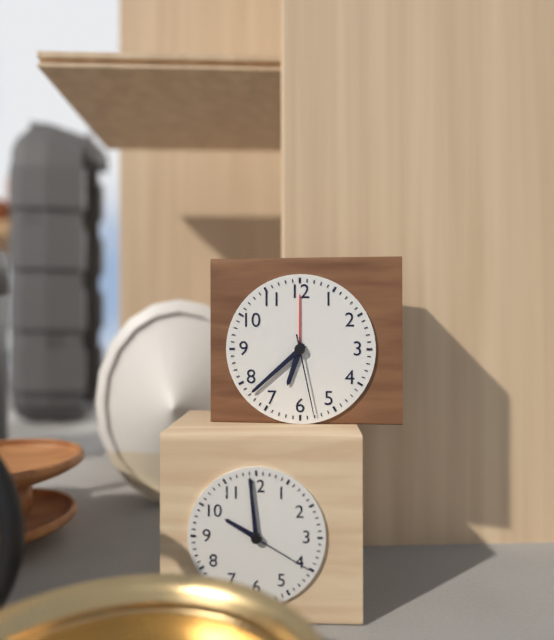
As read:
6:38:28
